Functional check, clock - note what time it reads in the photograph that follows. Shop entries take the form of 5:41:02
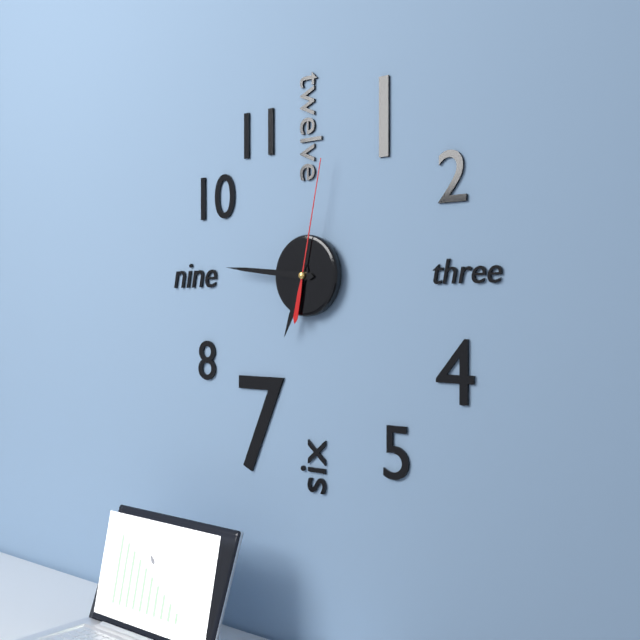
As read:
6:46:02
